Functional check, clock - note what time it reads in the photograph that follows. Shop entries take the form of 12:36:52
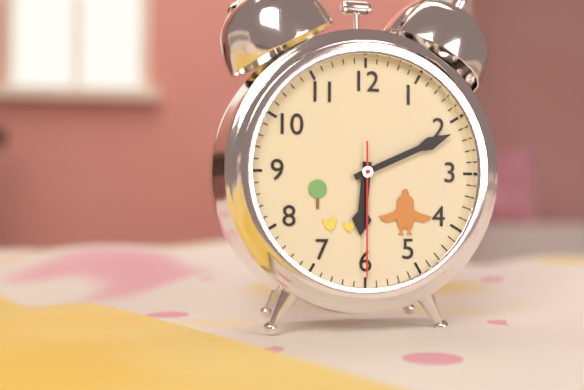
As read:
6:11:30
